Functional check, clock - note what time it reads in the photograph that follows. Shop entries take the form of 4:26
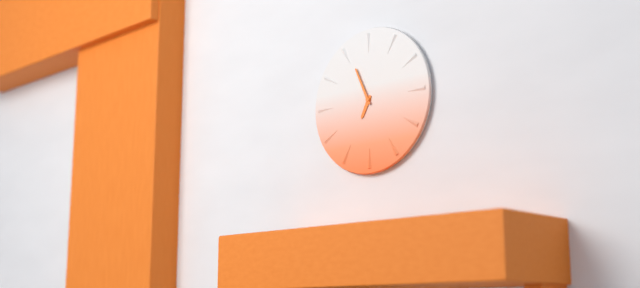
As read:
6:56
